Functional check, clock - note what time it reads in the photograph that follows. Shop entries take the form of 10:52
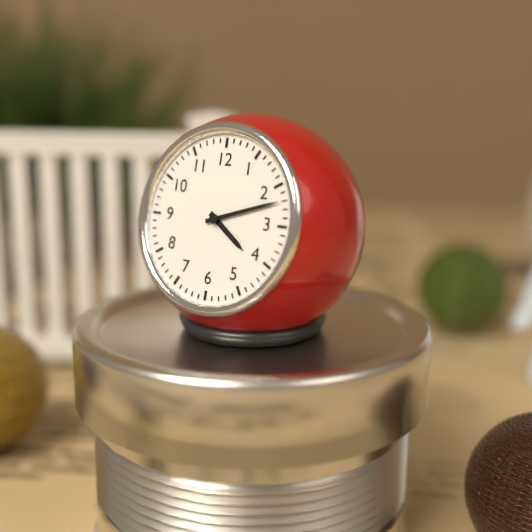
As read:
4:12
